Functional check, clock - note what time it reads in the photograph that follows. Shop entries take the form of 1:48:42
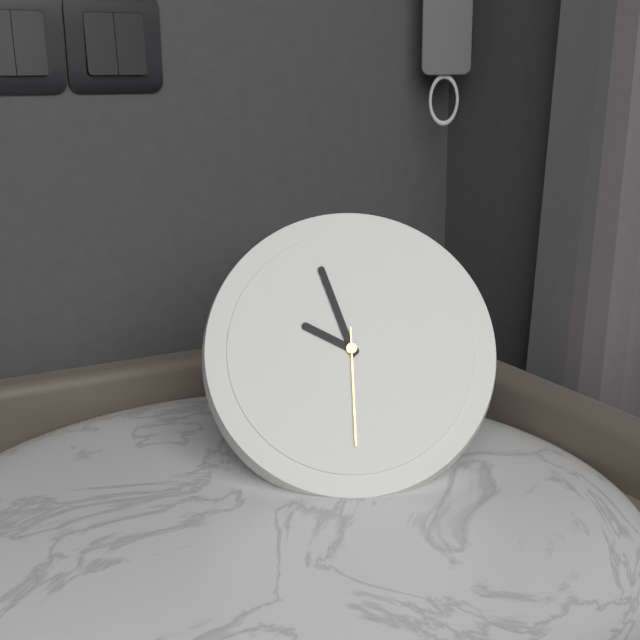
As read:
9:57:30
